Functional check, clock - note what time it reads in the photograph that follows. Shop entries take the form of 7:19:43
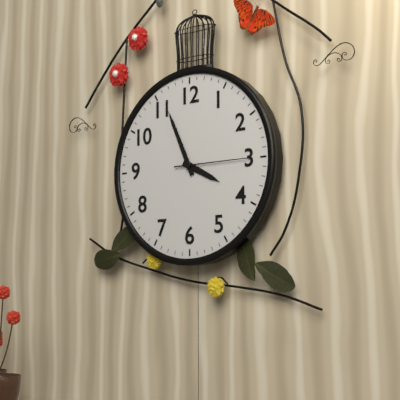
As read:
3:56:15
